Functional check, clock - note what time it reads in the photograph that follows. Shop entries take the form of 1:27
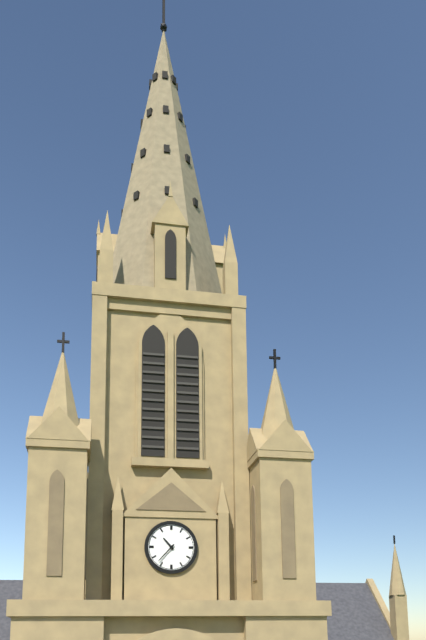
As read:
10:37
